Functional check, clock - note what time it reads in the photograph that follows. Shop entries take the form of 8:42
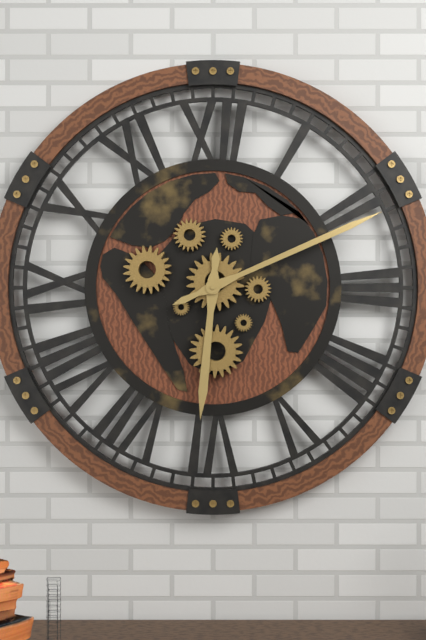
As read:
6:11
